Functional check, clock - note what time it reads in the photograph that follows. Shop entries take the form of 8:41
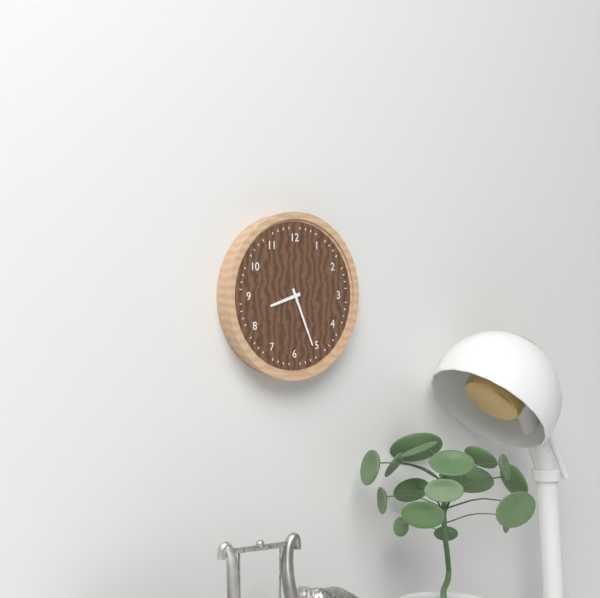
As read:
8:26
